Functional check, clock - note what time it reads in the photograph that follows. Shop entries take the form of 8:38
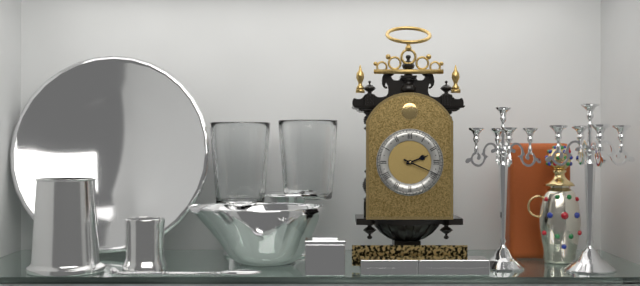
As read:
2:19
